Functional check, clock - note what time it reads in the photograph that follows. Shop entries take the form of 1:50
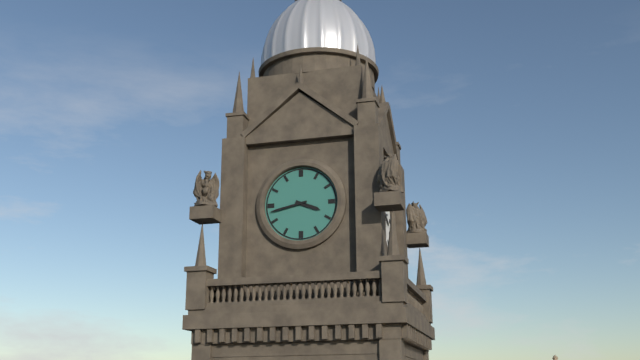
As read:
3:43
